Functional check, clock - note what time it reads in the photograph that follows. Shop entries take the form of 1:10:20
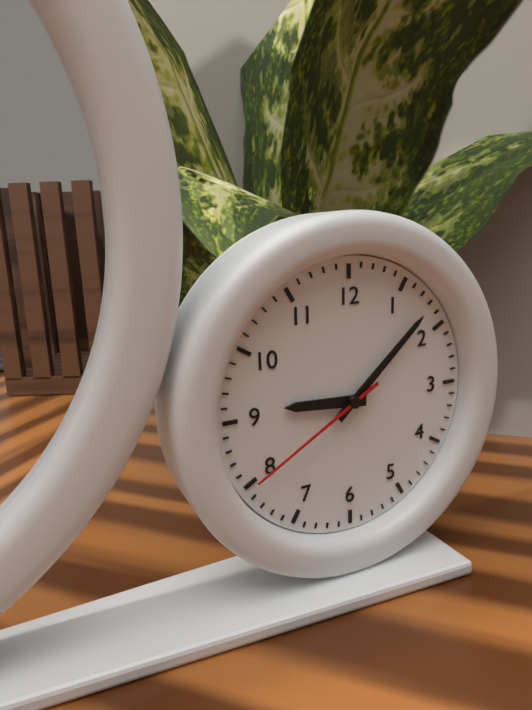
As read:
9:08:40
